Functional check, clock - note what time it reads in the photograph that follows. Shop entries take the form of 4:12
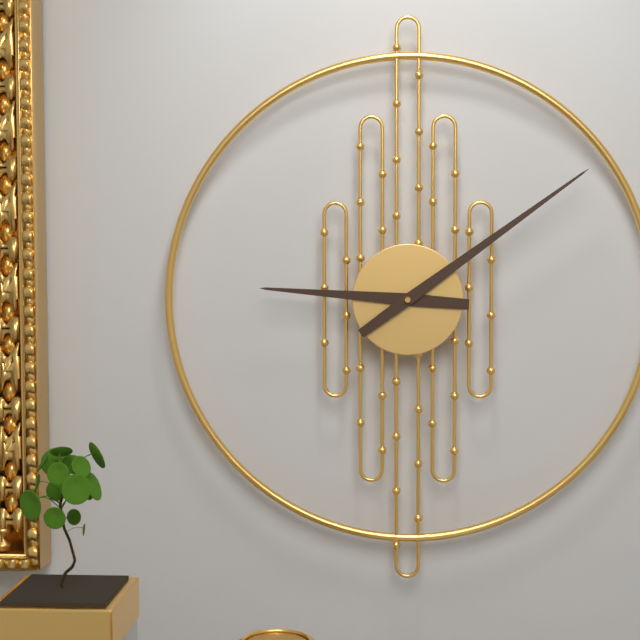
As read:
9:09
